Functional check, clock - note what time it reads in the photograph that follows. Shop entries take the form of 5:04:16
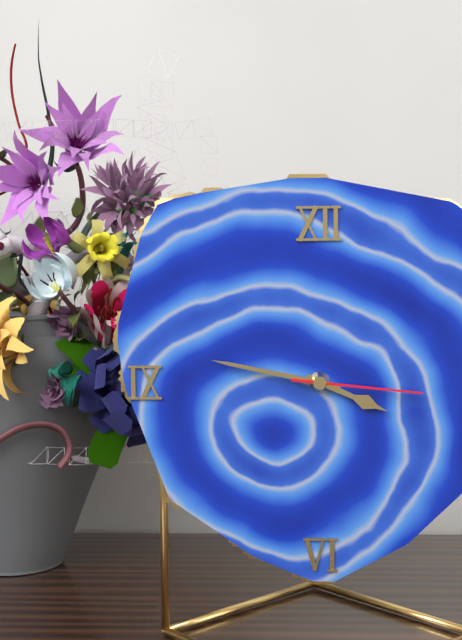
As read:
3:47:16
